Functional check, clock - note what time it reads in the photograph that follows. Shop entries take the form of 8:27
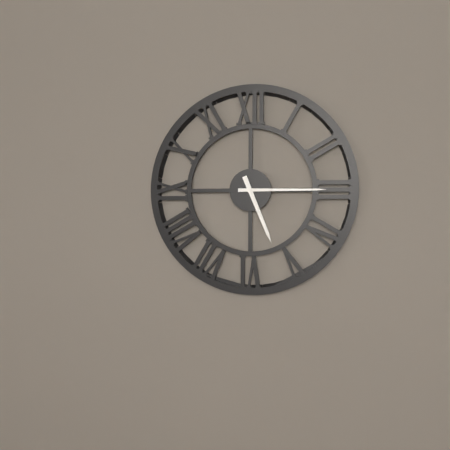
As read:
5:15
